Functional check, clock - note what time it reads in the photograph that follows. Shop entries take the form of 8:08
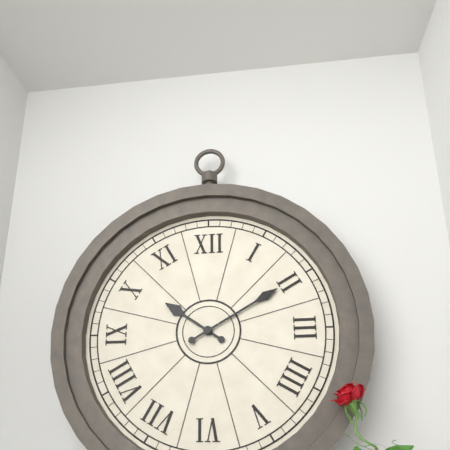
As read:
10:10
